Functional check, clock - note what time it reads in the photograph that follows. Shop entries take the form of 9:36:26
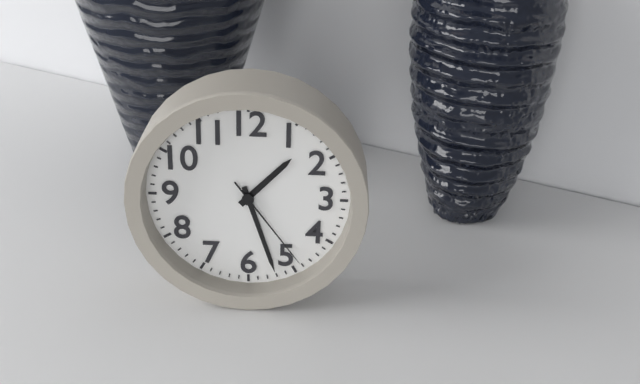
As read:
1:27:24
